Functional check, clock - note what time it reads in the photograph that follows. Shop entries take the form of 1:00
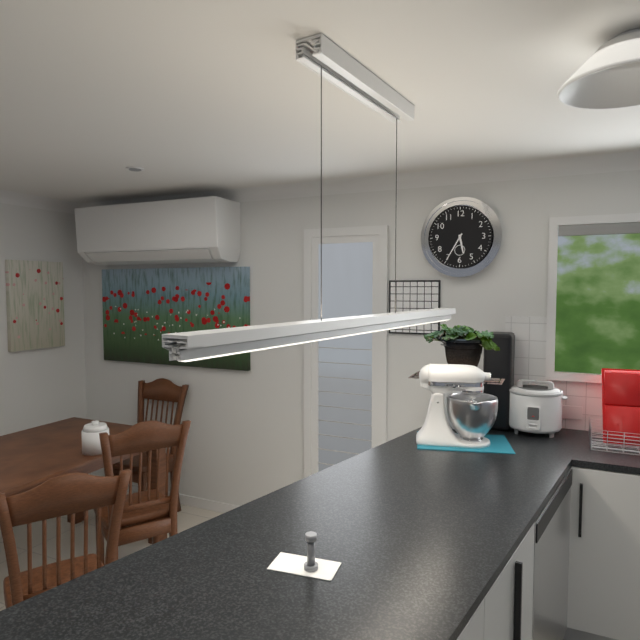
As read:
5:35
